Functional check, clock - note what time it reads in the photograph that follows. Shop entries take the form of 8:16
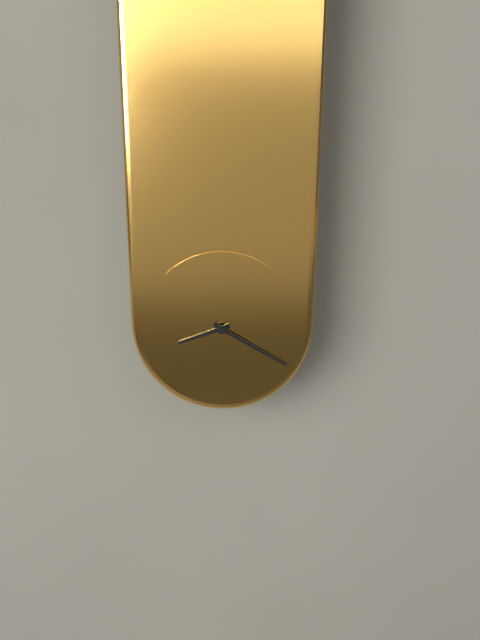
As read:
8:20
